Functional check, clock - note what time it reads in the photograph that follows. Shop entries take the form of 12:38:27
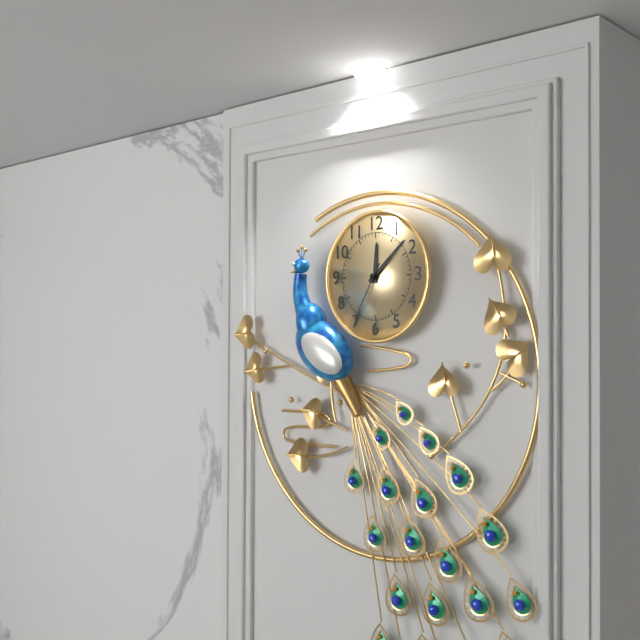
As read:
12:08:35
